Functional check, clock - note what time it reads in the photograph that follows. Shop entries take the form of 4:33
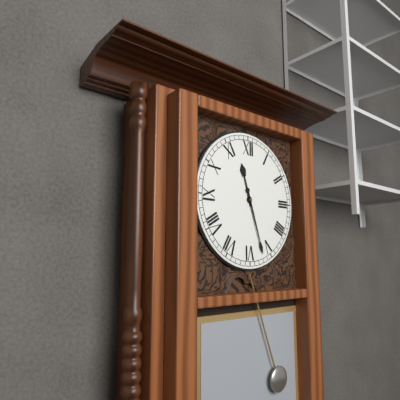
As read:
11:27
